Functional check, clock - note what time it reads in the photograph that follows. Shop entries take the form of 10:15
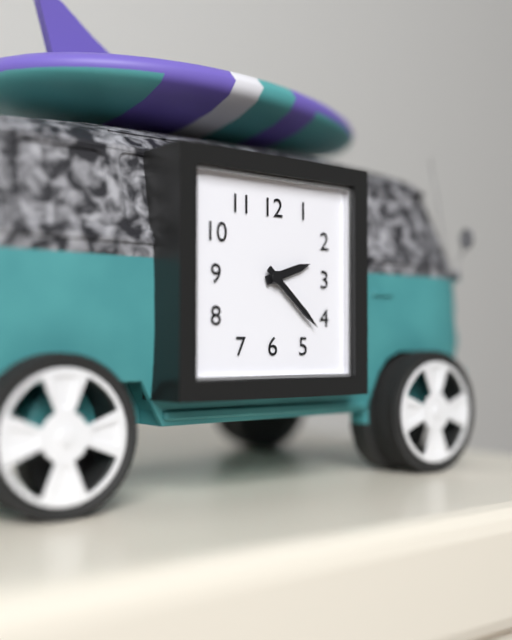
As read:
2:22
